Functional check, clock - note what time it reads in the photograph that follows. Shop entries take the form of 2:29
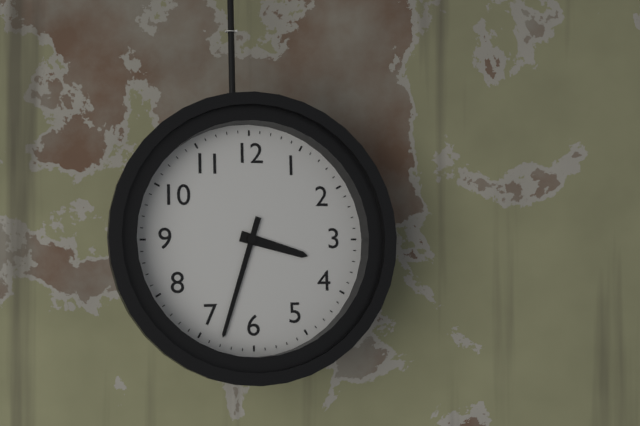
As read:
3:33
